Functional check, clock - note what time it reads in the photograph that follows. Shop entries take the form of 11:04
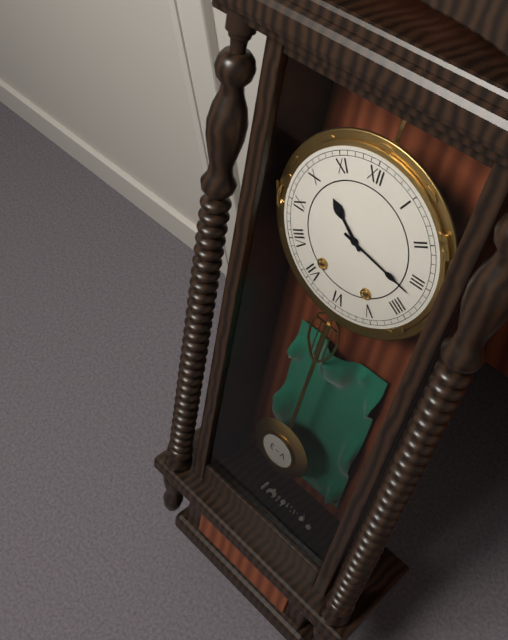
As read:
10:17
